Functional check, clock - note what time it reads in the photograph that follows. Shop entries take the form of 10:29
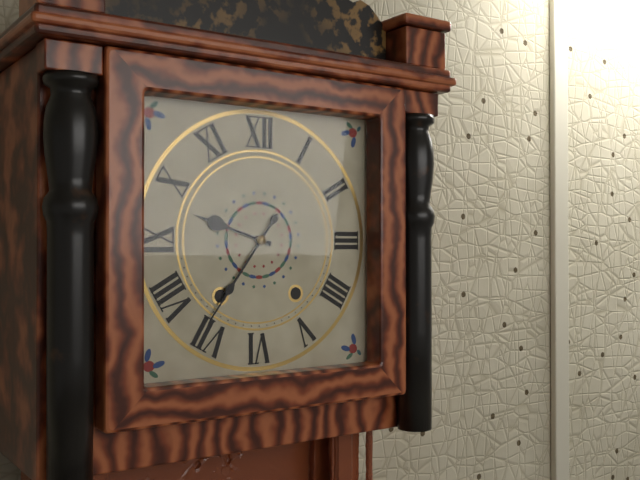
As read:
9:36
